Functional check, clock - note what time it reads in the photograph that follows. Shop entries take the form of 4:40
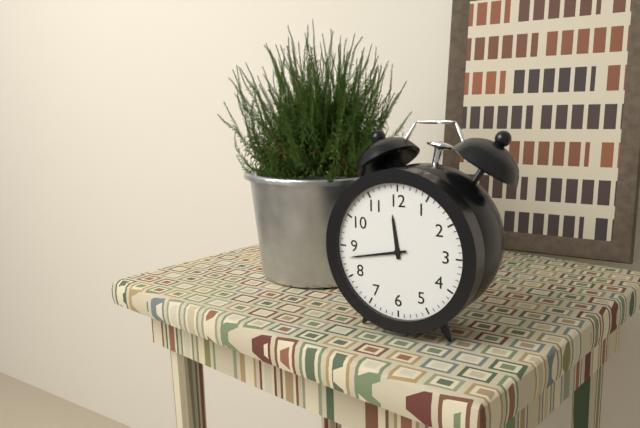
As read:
11:43
